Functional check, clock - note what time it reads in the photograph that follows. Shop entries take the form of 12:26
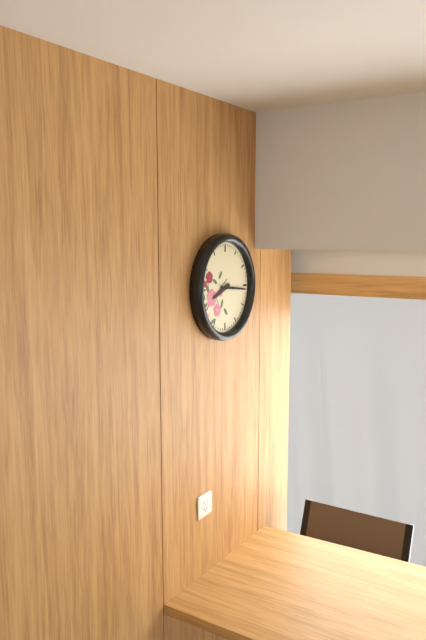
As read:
8:16
